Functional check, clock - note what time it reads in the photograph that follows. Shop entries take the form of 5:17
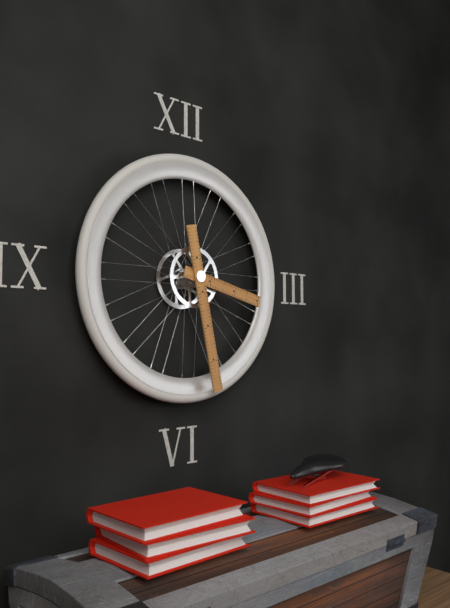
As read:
3:28
